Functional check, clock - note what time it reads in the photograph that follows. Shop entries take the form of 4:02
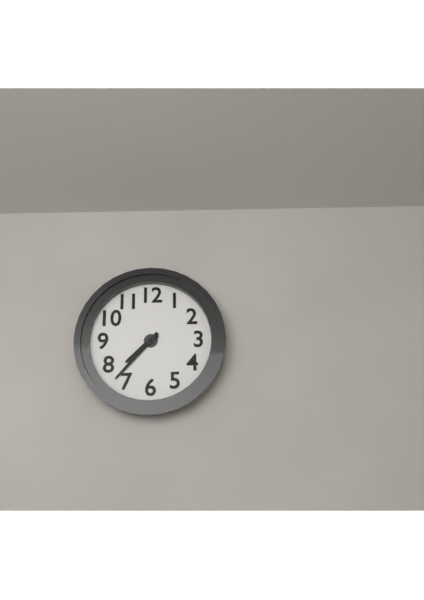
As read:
7:37
